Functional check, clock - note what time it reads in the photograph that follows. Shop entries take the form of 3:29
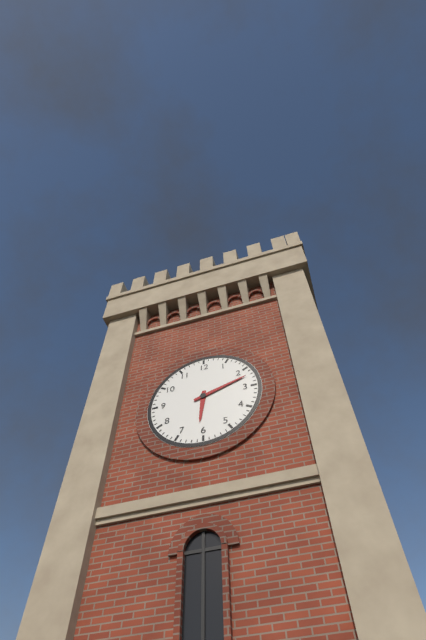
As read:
6:12
